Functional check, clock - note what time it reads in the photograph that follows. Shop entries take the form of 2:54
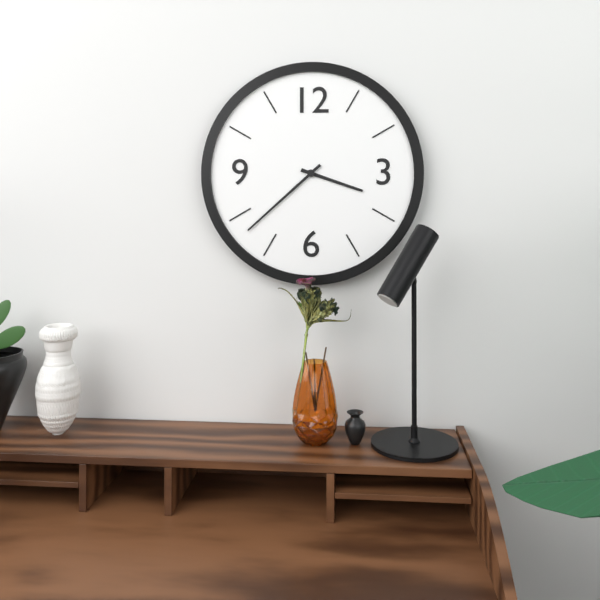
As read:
3:38
